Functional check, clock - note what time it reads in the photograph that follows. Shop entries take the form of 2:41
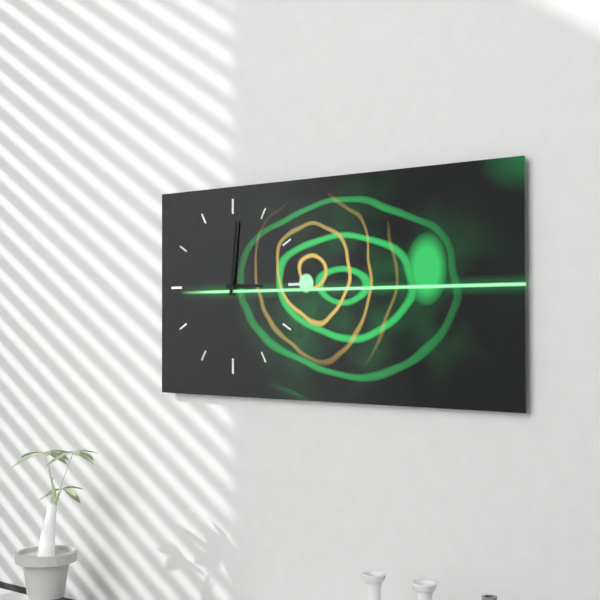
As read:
3:01
